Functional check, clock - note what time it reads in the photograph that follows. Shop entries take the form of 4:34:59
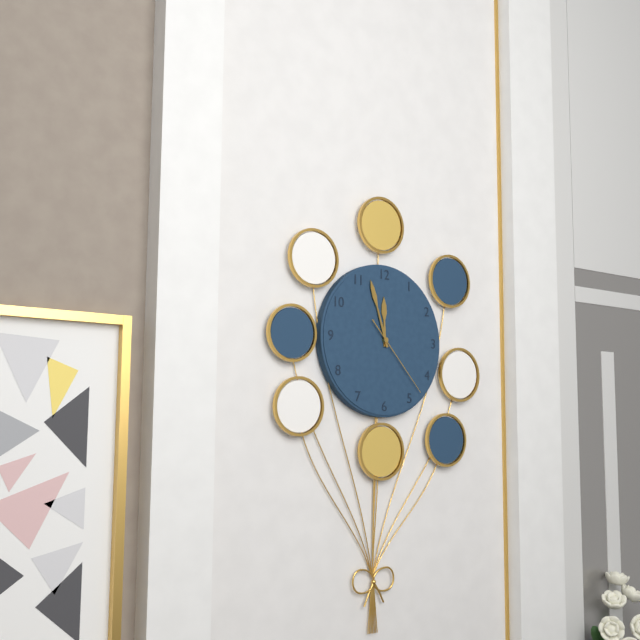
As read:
11:57:23
